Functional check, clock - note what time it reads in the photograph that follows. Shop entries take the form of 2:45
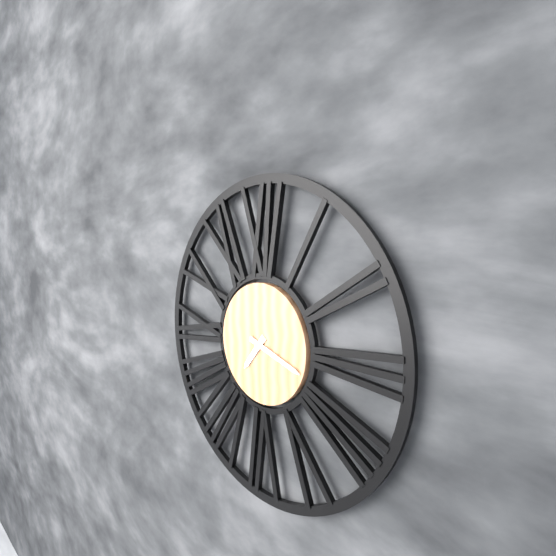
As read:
7:18
